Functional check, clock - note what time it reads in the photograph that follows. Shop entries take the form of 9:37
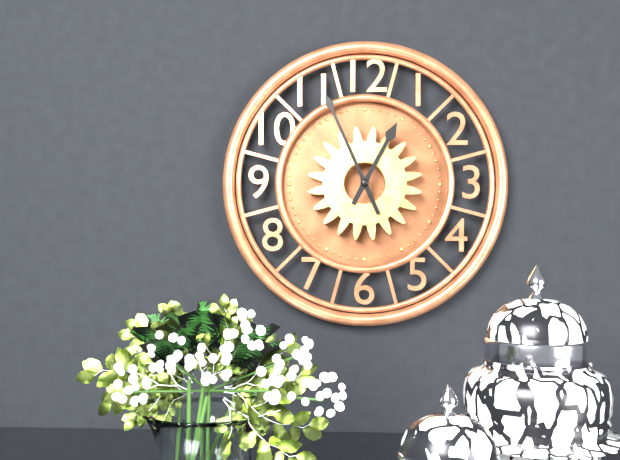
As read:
12:56
